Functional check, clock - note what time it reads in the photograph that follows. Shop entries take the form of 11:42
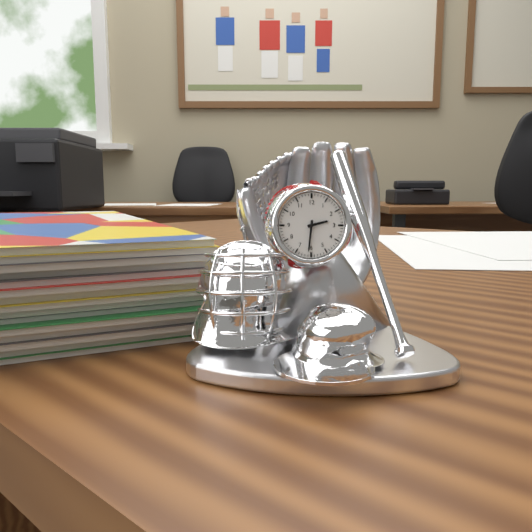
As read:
2:31
